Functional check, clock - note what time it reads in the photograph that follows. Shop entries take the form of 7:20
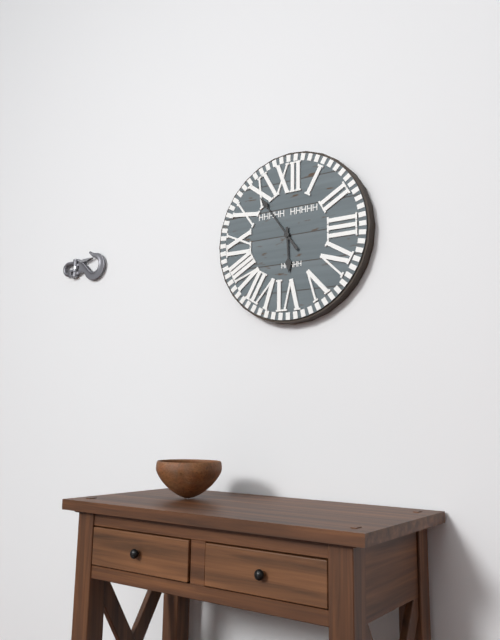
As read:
5:54
